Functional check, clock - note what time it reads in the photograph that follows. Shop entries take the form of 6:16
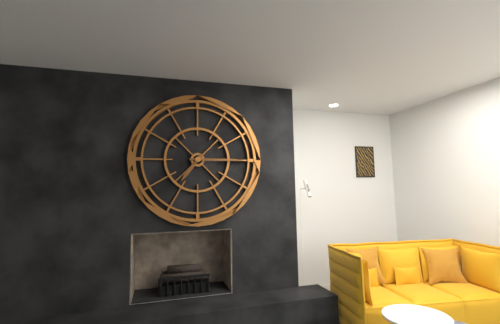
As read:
7:15
